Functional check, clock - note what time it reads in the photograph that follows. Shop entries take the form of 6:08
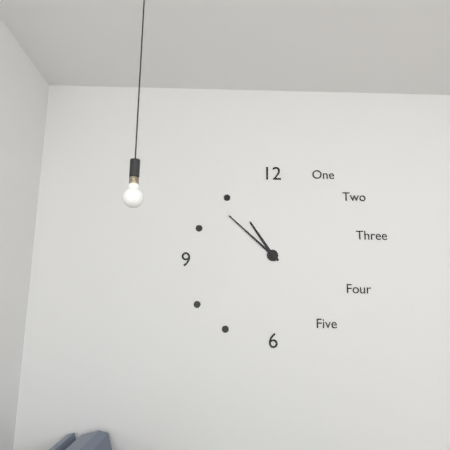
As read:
10:52
